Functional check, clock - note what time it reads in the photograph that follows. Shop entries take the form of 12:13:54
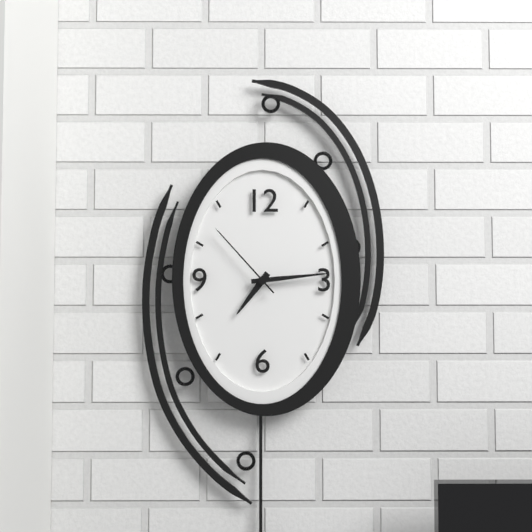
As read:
7:14:53
